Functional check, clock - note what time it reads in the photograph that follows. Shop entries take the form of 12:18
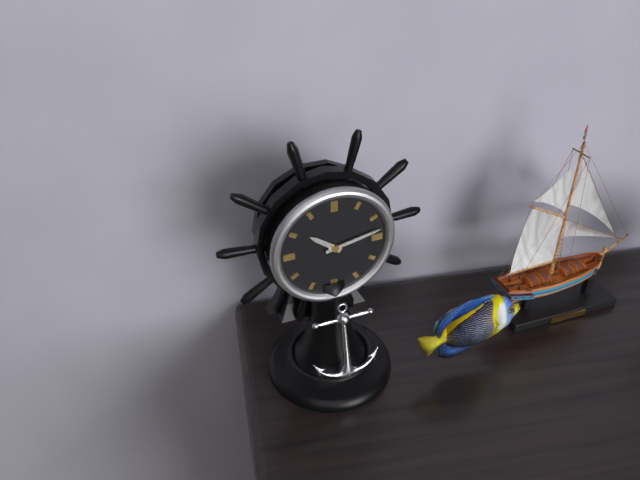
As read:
10:13
